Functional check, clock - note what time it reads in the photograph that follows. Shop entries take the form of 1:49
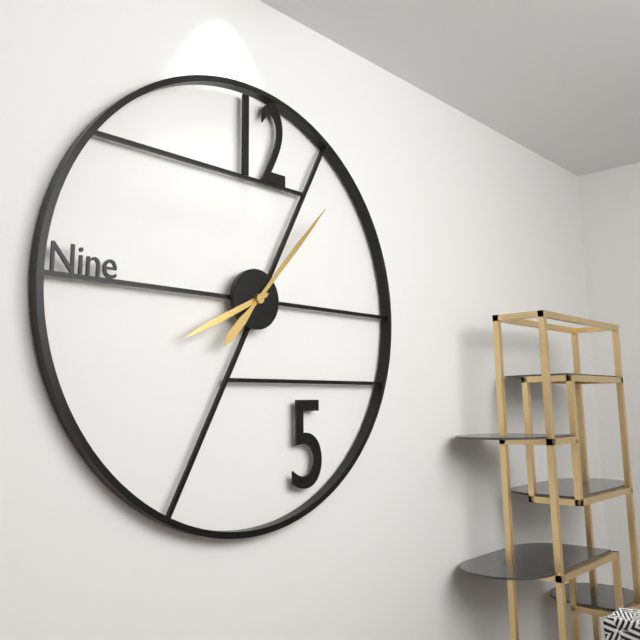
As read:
8:07
